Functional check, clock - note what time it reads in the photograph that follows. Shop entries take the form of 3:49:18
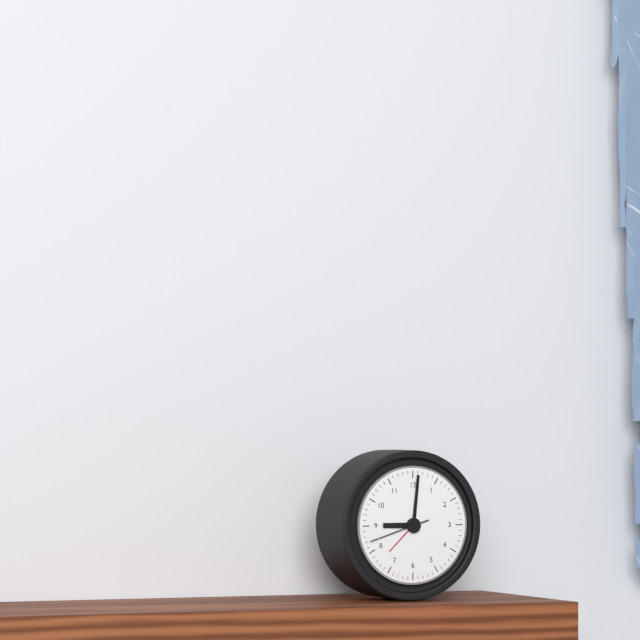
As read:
9:01:42
